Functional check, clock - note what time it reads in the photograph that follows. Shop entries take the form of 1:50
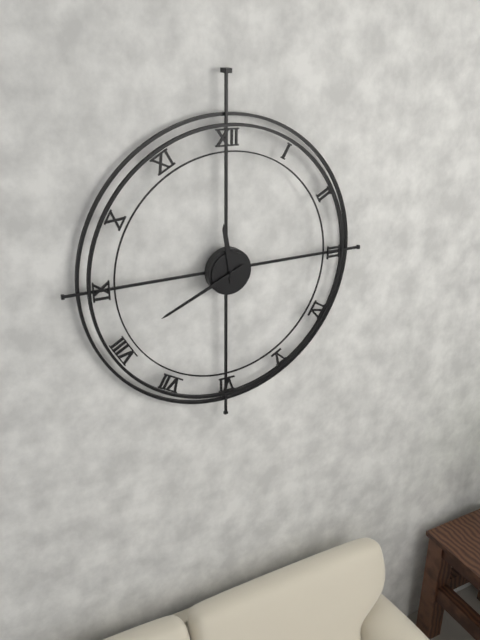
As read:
11:41
